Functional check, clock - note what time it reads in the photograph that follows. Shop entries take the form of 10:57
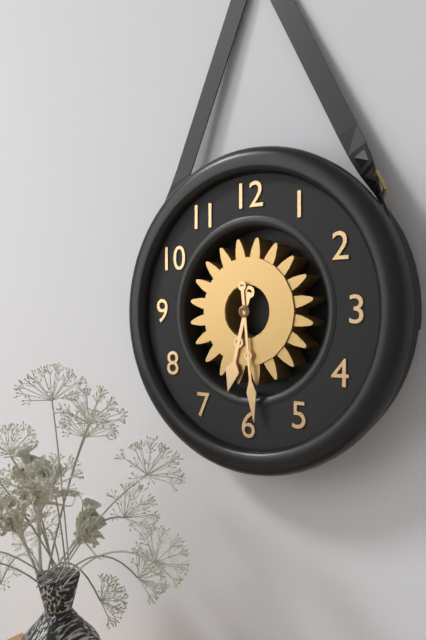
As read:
6:29
